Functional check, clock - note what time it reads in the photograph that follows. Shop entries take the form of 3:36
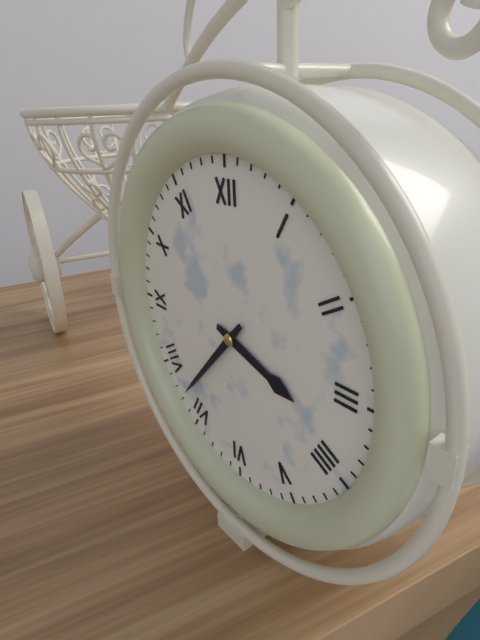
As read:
3:37
